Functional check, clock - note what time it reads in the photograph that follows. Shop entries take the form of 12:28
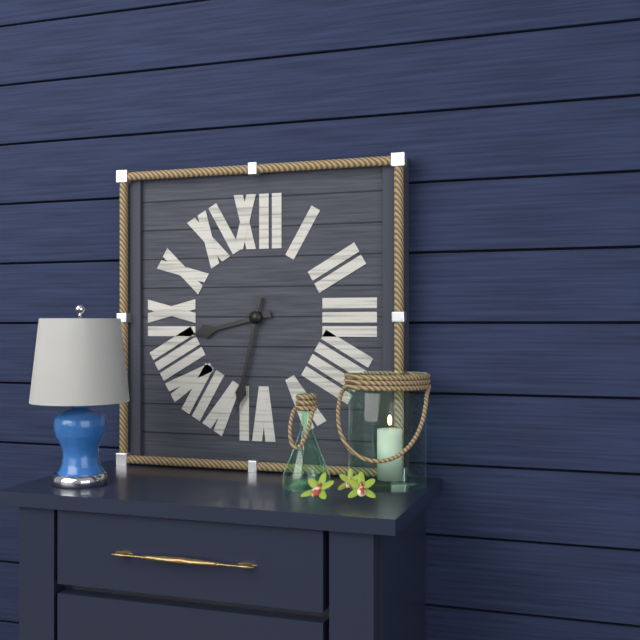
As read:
8:32
